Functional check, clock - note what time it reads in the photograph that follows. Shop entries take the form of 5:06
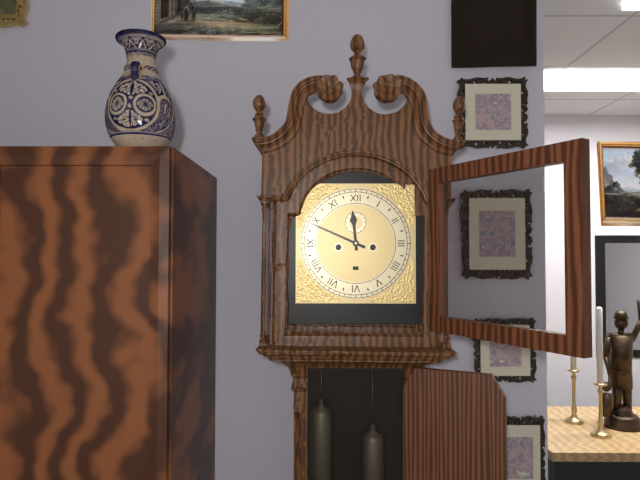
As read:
11:49
